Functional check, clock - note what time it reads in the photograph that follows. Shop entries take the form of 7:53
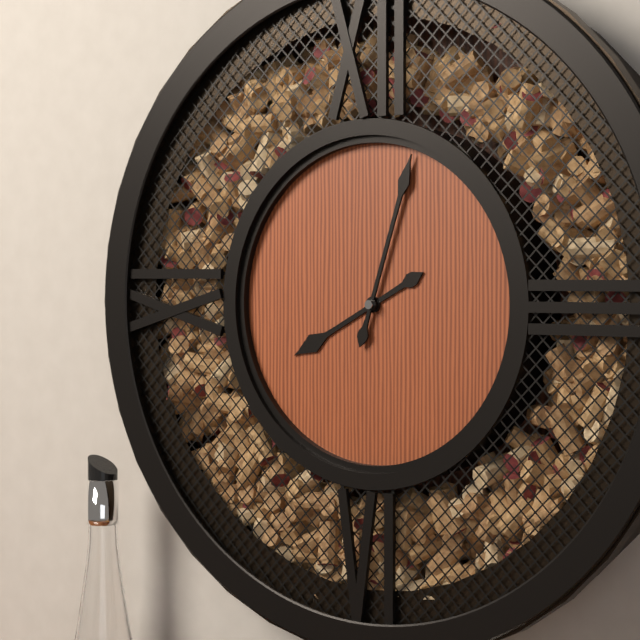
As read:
8:03
